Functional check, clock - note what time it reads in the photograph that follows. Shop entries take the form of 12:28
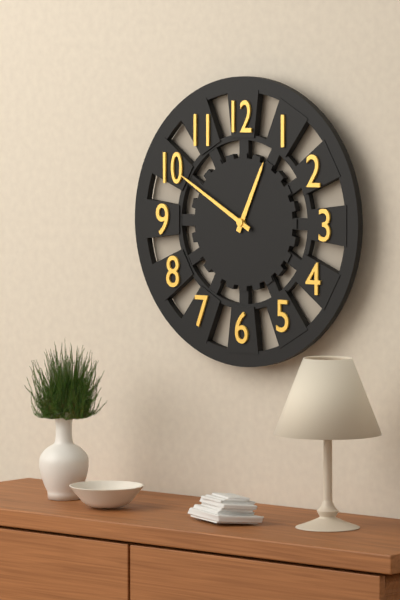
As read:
12:50
